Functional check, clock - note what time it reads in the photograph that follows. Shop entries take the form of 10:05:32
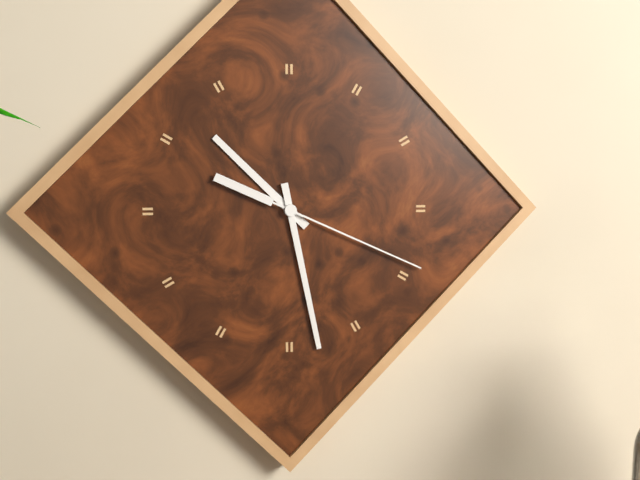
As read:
10:28:19
